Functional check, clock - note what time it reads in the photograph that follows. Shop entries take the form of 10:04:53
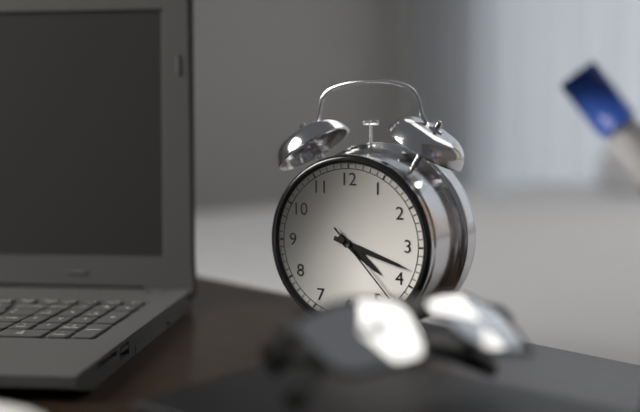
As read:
4:18:23
